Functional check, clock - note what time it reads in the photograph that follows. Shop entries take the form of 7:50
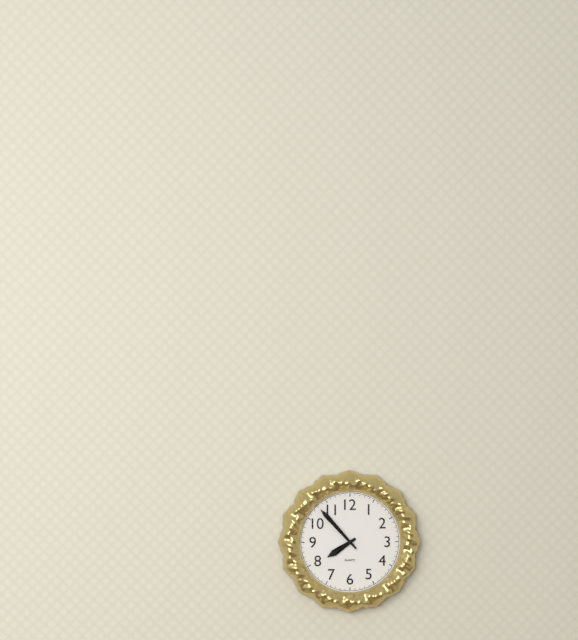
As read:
7:53
